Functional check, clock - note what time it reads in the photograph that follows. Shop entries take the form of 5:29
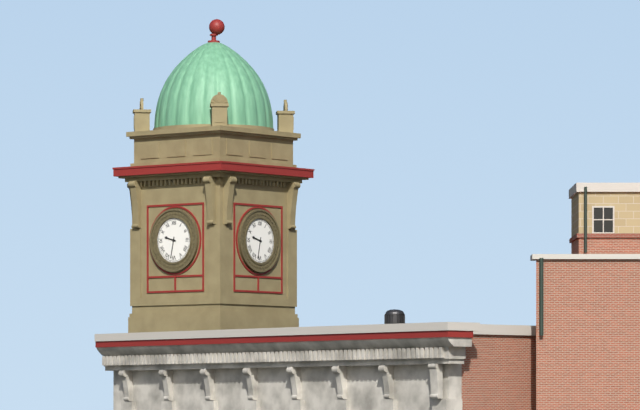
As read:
9:32
